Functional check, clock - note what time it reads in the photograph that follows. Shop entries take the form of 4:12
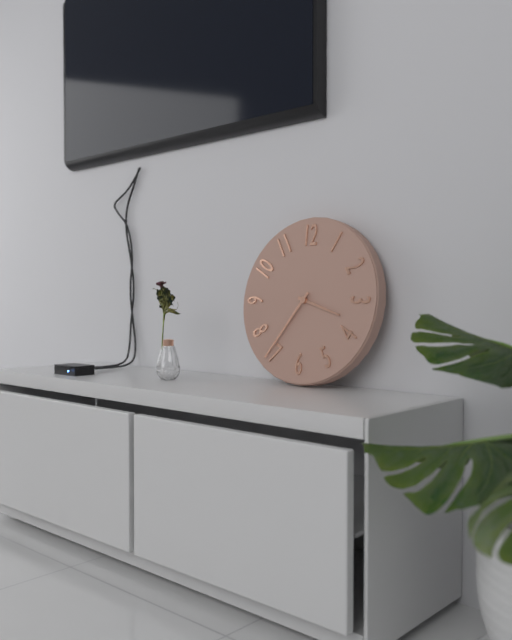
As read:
3:36
